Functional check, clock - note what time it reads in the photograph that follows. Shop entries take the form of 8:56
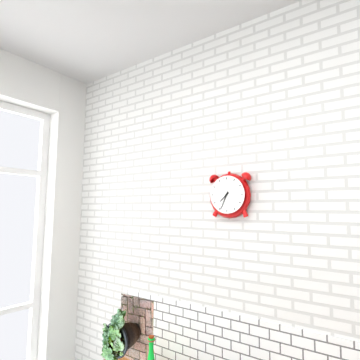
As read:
7:34
